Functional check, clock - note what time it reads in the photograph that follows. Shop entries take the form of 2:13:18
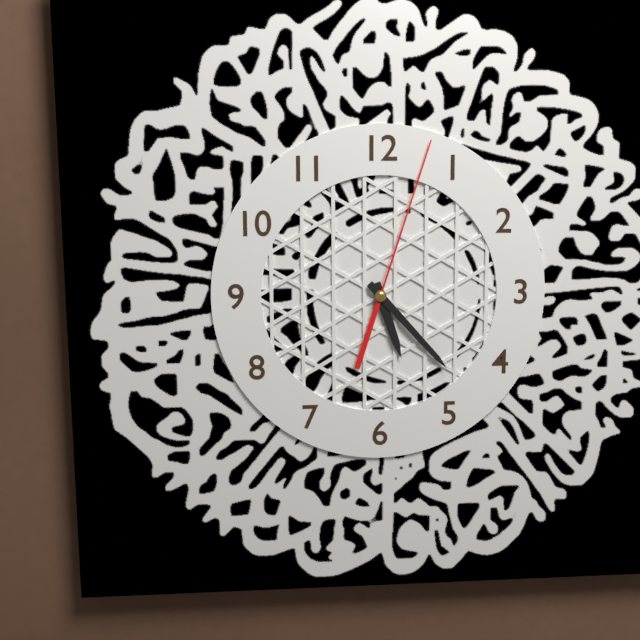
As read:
5:23:03
